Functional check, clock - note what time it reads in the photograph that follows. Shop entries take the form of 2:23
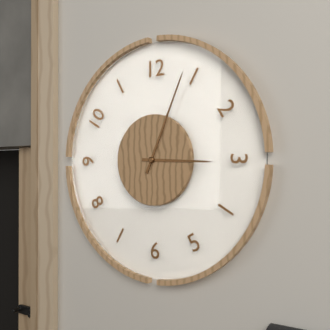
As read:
3:04
